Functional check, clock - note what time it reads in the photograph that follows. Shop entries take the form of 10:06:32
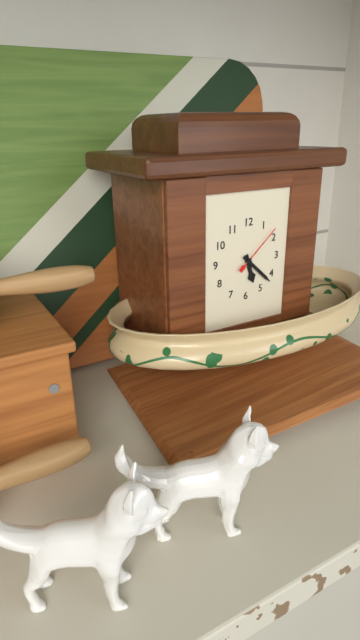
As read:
5:22:08
